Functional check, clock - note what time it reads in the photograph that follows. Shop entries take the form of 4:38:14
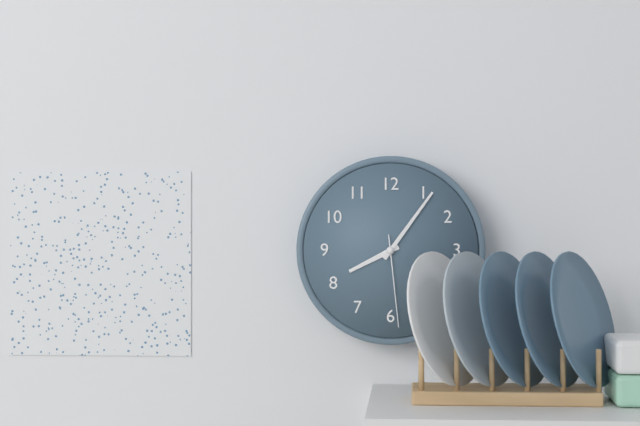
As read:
8:06:29
